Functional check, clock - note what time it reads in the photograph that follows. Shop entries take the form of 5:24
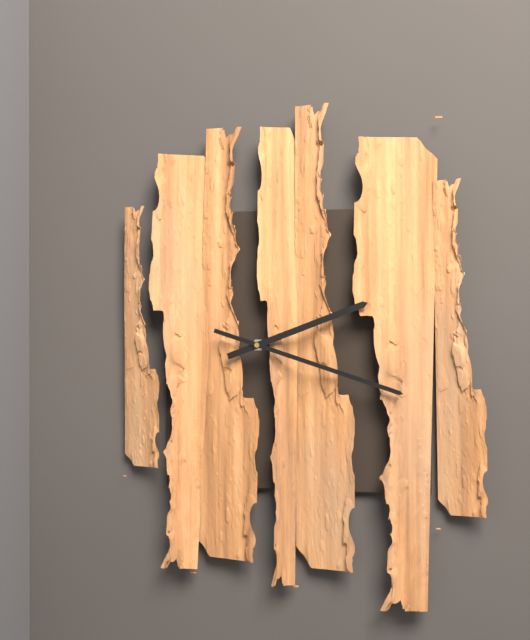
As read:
2:18
